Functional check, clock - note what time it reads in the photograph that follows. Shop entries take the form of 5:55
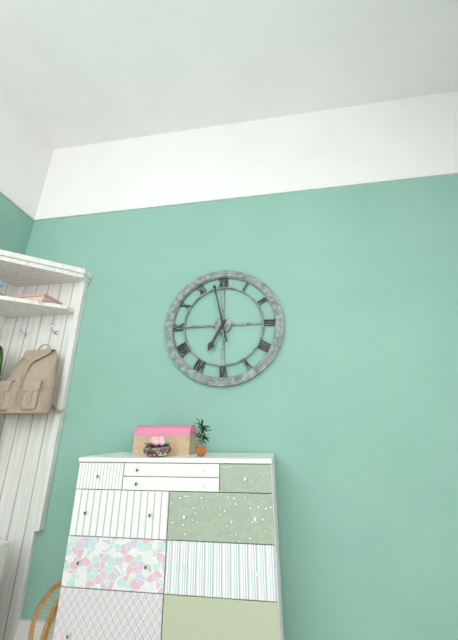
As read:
6:58
